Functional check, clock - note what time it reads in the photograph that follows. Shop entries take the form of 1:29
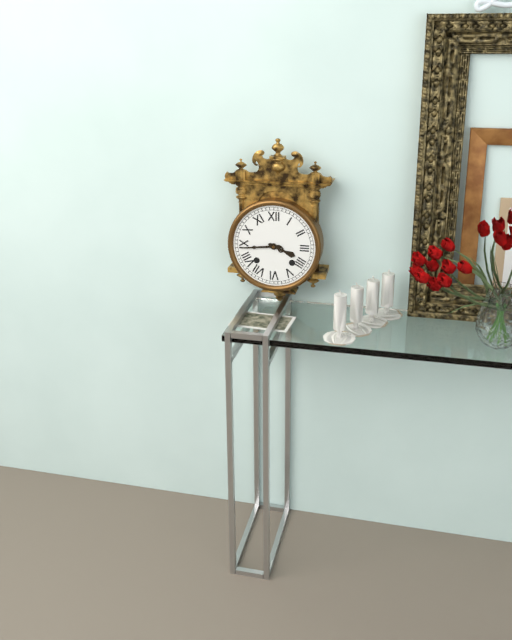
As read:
3:44
